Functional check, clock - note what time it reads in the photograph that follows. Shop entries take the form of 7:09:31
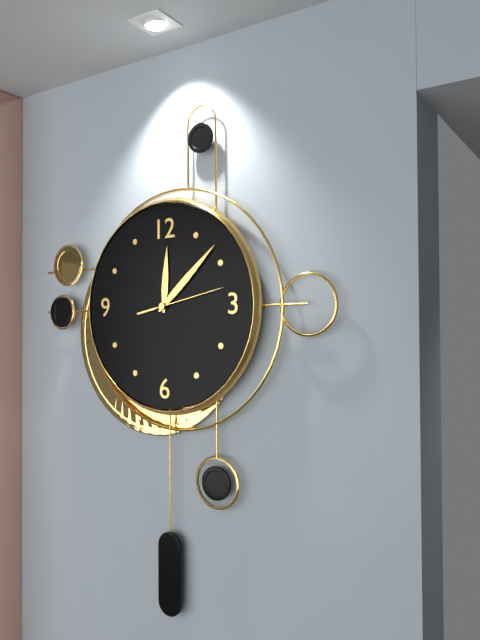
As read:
12:08:13
